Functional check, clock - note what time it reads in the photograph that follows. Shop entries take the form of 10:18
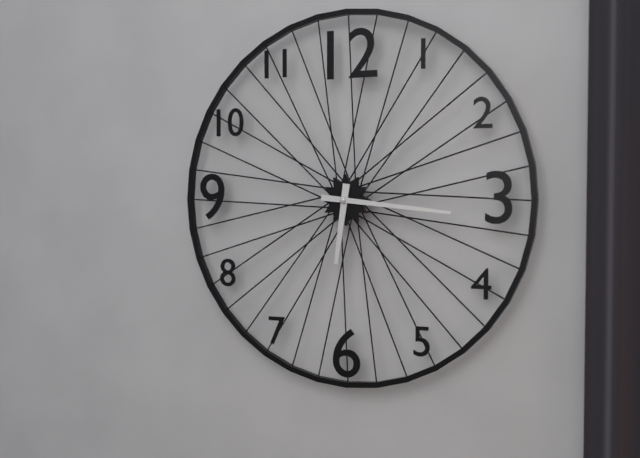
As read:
6:16
